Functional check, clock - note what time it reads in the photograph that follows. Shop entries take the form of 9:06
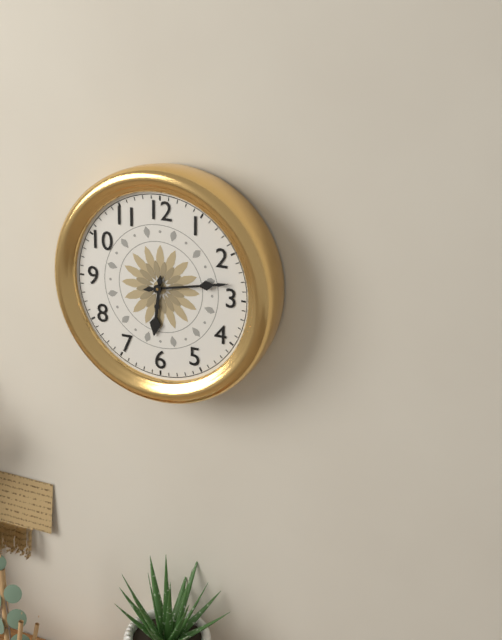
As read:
6:13
